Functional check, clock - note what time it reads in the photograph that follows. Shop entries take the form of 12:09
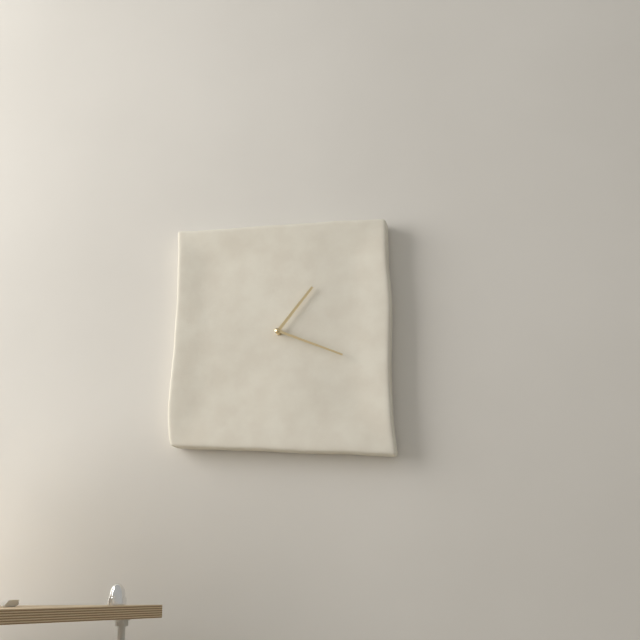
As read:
1:19
